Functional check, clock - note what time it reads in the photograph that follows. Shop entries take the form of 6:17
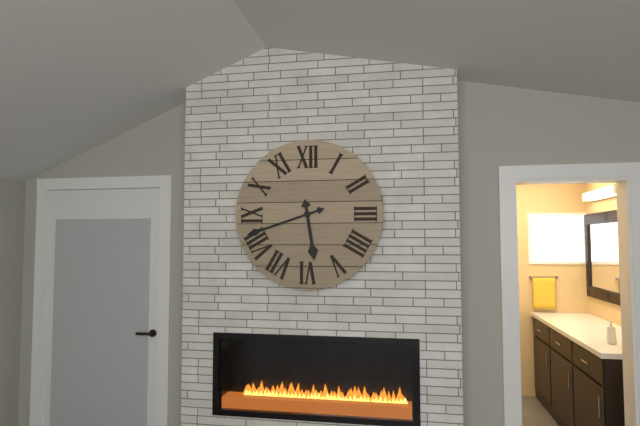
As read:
5:42
